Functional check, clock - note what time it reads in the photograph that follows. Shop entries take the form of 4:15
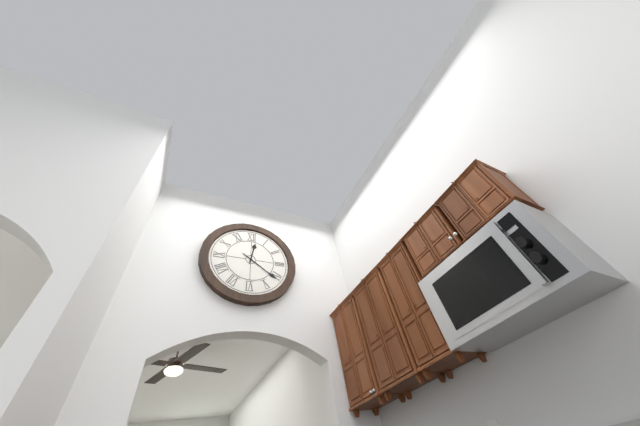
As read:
12:21
